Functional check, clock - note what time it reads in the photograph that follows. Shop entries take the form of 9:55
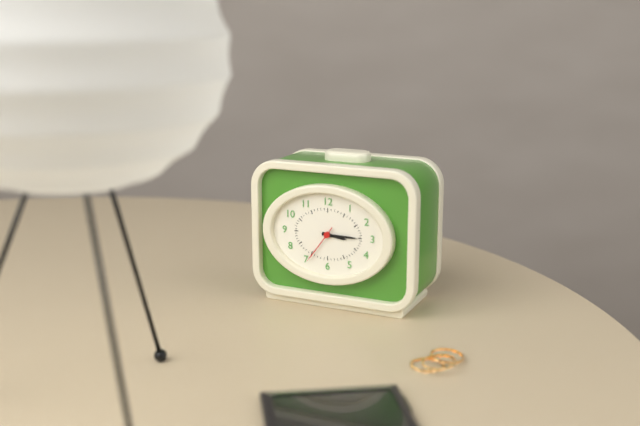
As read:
3:15
